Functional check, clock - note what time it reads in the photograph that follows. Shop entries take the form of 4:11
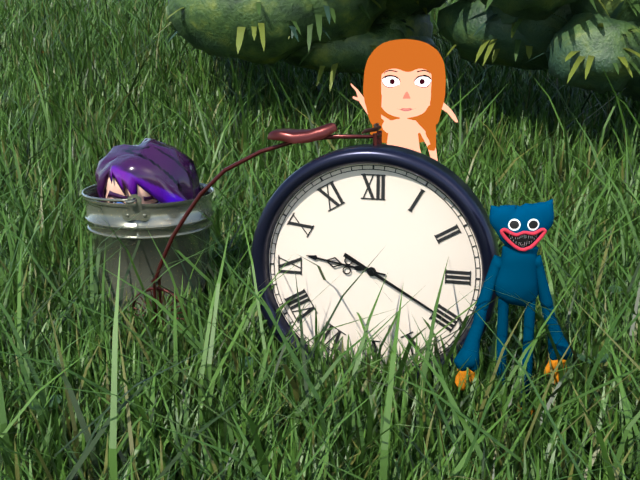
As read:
9:20
